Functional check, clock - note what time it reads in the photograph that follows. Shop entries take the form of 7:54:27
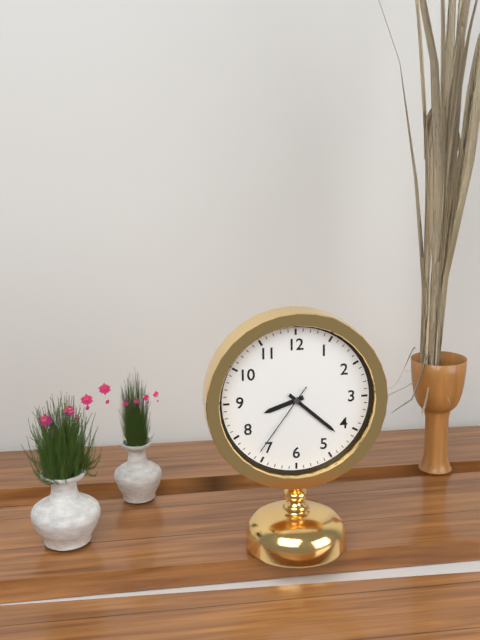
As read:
8:22:36
